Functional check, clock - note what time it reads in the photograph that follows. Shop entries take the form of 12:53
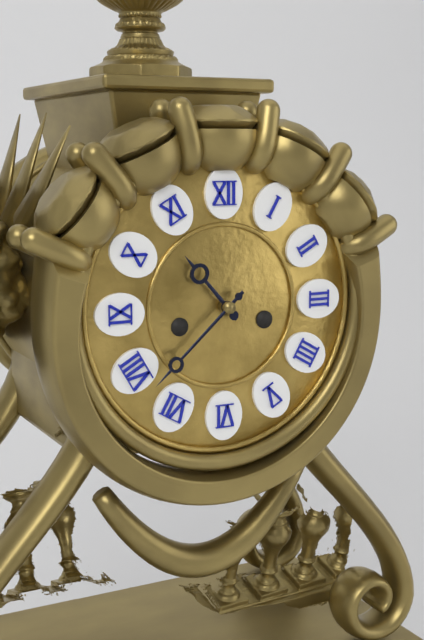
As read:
10:38
